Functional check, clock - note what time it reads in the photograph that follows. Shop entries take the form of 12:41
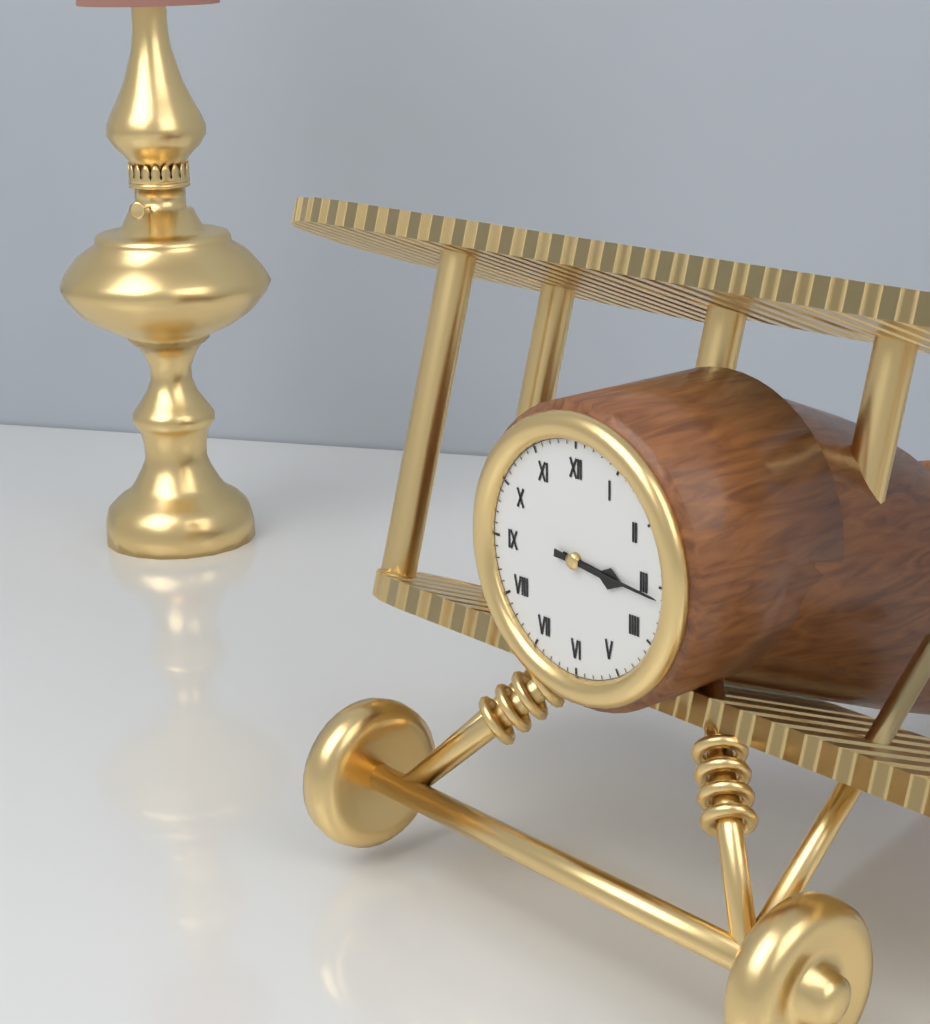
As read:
3:16
